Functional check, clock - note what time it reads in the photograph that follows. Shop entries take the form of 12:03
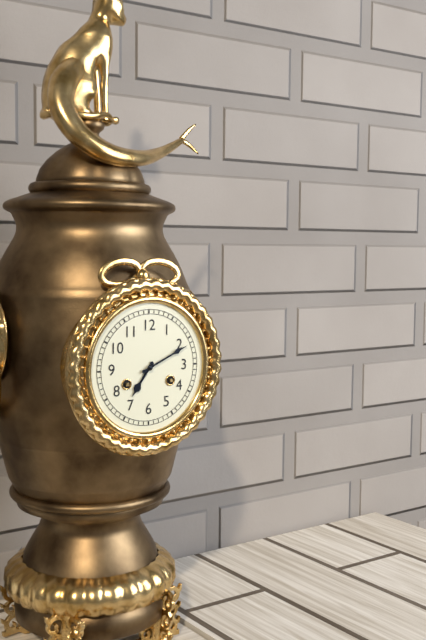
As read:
7:11
